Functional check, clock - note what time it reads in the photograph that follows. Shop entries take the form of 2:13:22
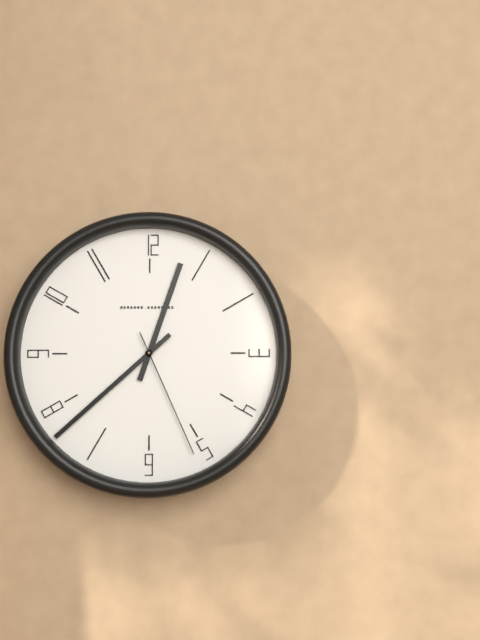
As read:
12:38:26
